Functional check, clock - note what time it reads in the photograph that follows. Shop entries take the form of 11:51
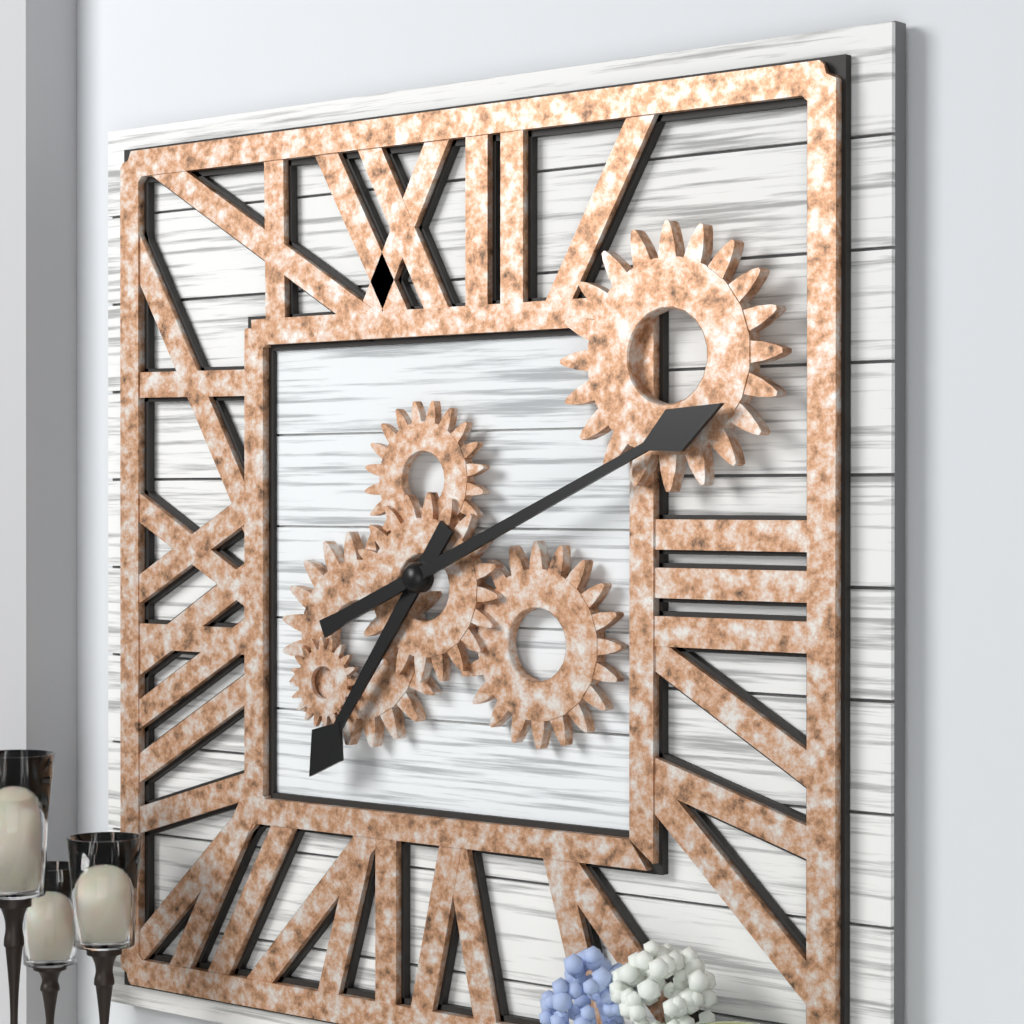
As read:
7:11
